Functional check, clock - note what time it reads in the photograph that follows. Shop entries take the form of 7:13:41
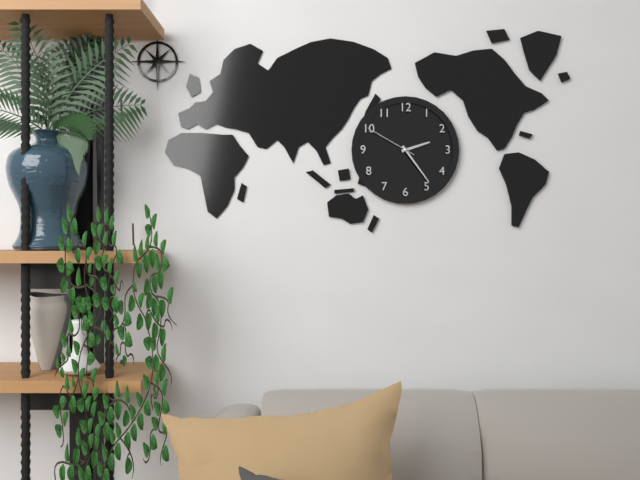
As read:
2:24:50
